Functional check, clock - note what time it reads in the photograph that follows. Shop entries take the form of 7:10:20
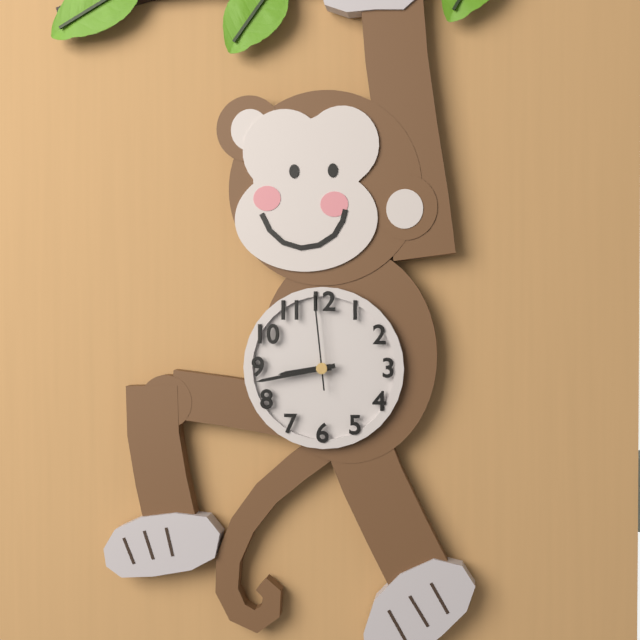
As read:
8:43:59
